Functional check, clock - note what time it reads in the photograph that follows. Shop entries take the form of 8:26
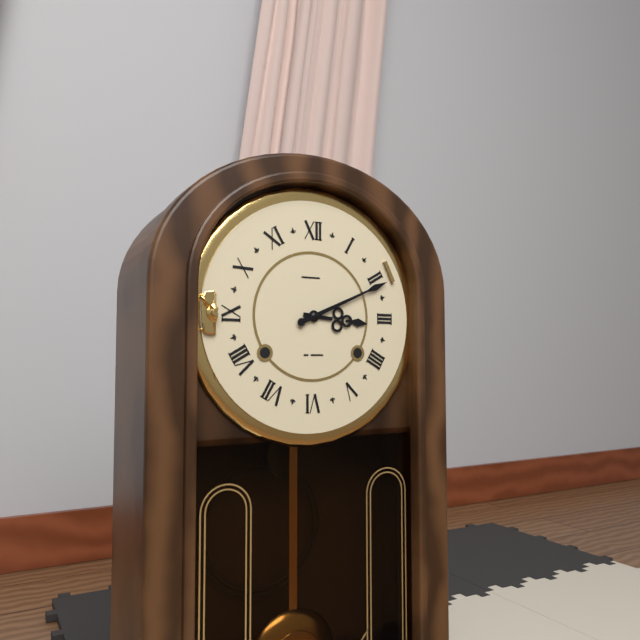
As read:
3:11
